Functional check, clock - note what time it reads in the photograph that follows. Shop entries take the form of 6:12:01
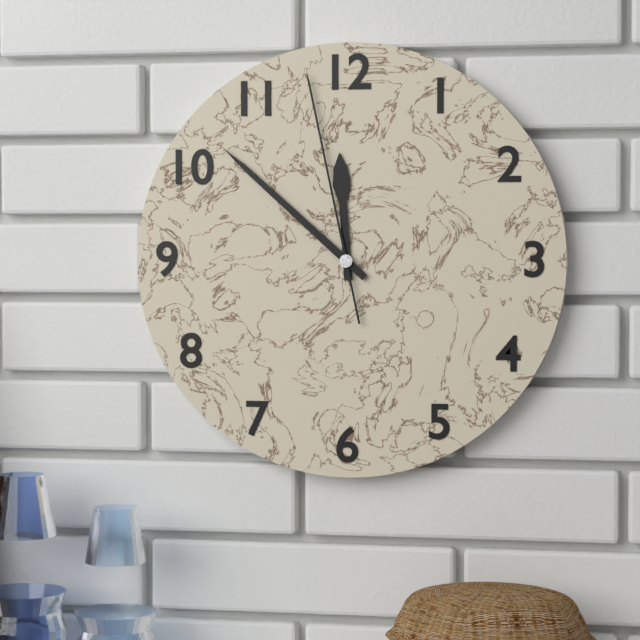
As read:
11:52:58
